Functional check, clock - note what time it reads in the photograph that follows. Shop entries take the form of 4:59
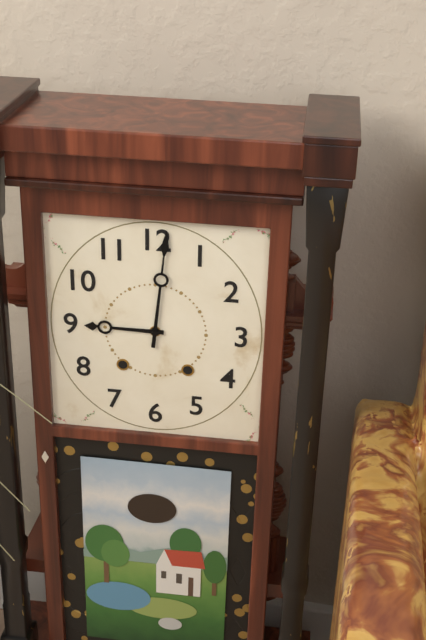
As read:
9:01
